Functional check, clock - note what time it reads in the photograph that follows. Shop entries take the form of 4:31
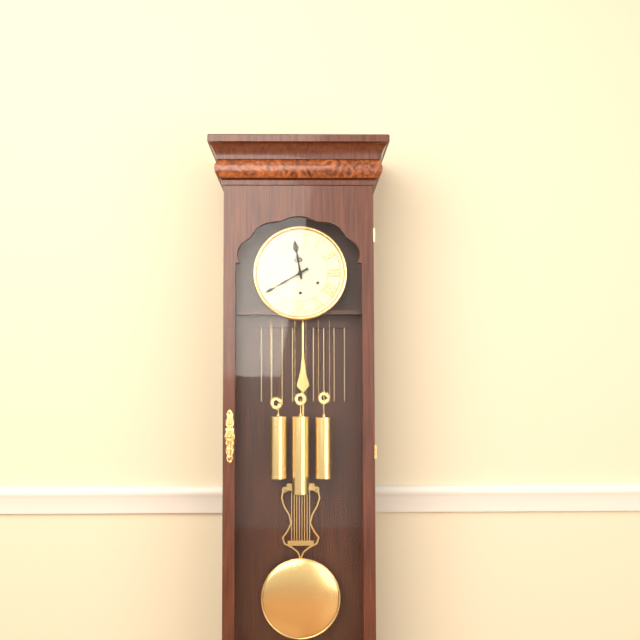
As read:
11:40
